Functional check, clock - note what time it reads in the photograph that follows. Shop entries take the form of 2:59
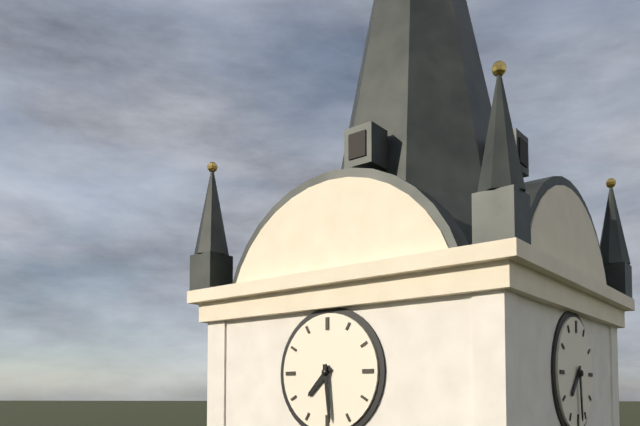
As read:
7:29
